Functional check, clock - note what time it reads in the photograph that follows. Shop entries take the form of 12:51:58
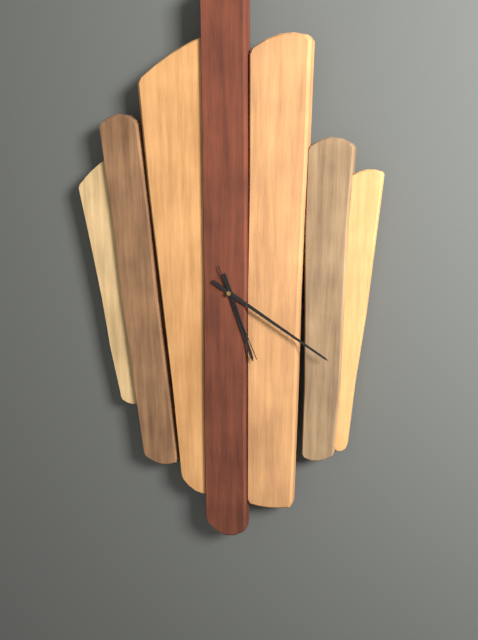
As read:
5:20:26
